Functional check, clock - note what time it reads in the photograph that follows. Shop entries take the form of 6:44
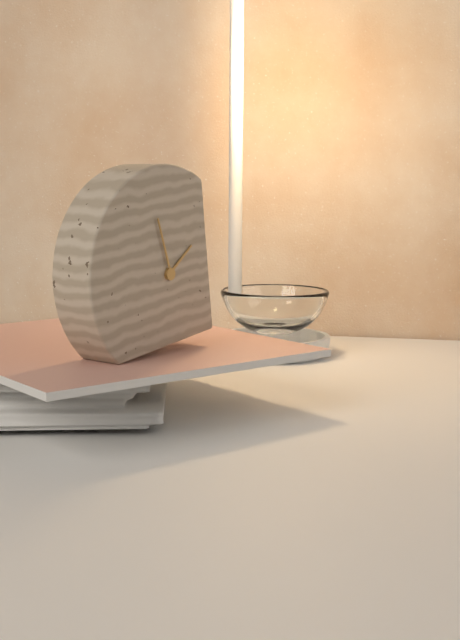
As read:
1:58
